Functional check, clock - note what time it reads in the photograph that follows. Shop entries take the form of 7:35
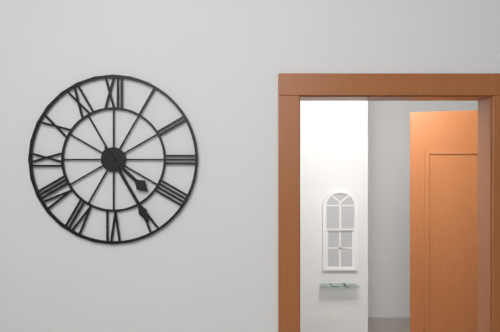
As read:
4:25
